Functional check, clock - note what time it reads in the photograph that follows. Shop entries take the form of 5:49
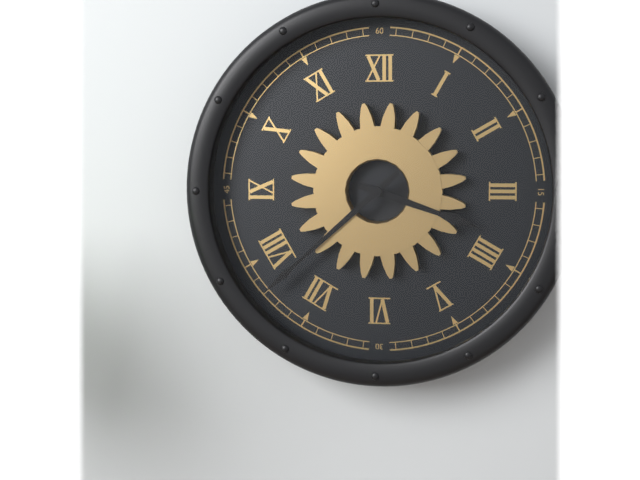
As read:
3:38
